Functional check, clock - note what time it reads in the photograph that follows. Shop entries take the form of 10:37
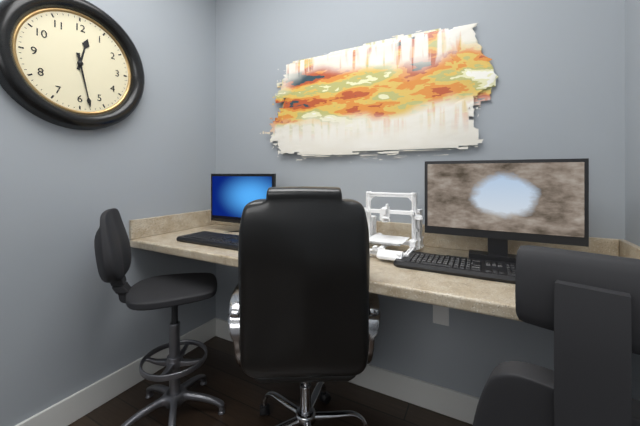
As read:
12:28
